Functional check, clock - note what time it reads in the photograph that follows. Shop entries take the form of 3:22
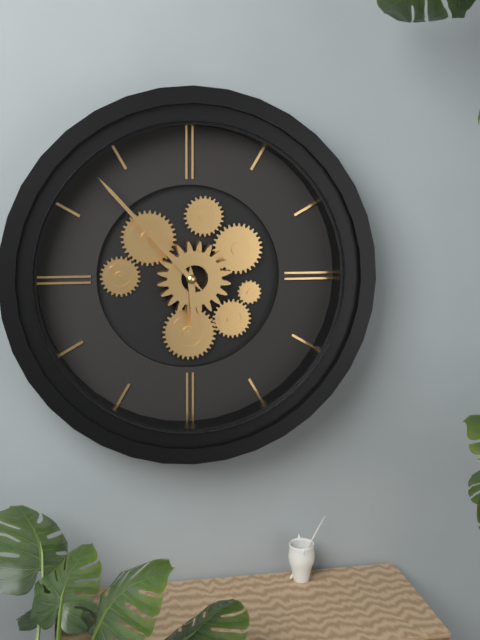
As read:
5:53
